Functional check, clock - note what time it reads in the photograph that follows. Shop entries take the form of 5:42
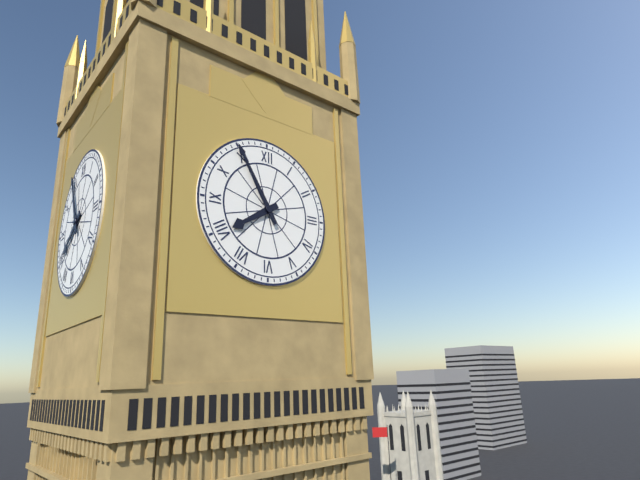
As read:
7:55
